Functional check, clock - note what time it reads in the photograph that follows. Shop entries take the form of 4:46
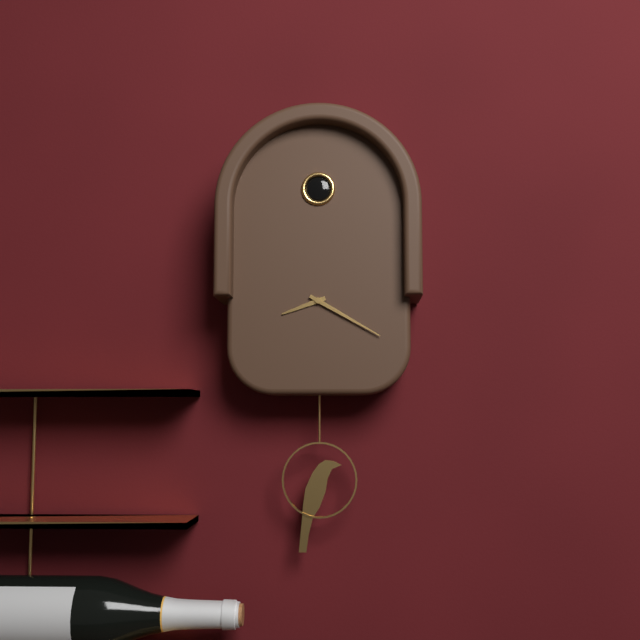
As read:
8:20
